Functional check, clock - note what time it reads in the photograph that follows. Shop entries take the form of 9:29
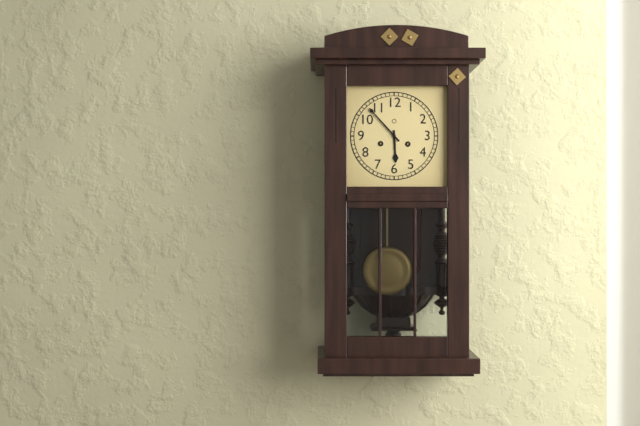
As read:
5:53
